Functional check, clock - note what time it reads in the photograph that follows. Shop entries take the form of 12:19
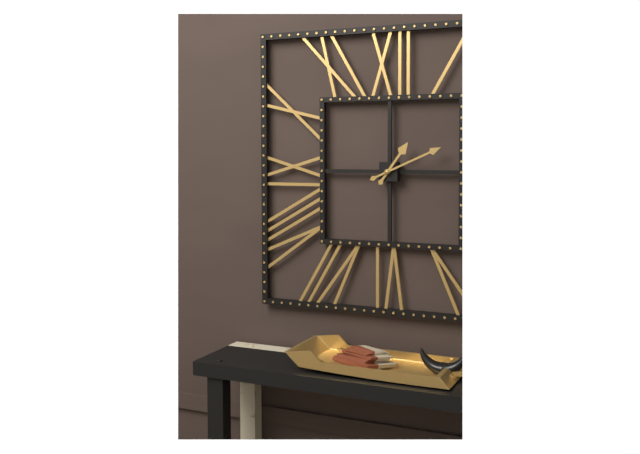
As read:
1:11
